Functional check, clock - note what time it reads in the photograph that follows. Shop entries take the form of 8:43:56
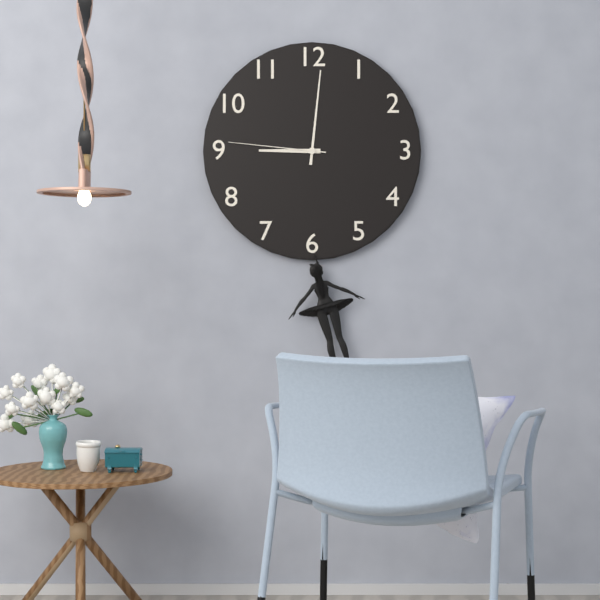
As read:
9:01:46
